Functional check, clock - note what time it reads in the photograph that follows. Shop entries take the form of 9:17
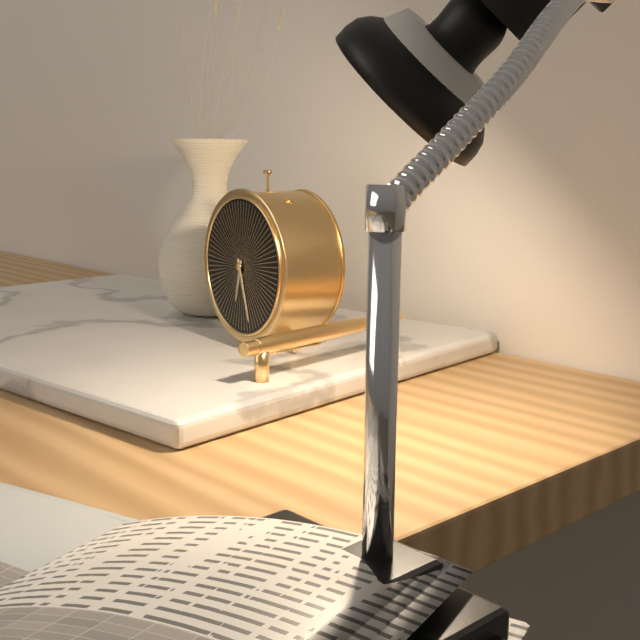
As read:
6:27
